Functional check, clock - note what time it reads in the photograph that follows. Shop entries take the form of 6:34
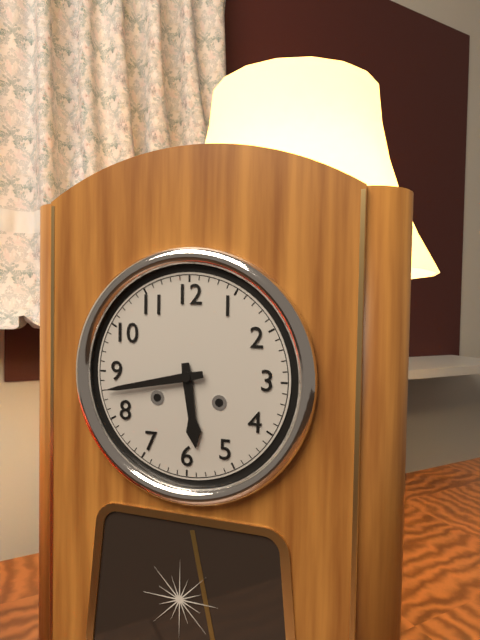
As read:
5:43
